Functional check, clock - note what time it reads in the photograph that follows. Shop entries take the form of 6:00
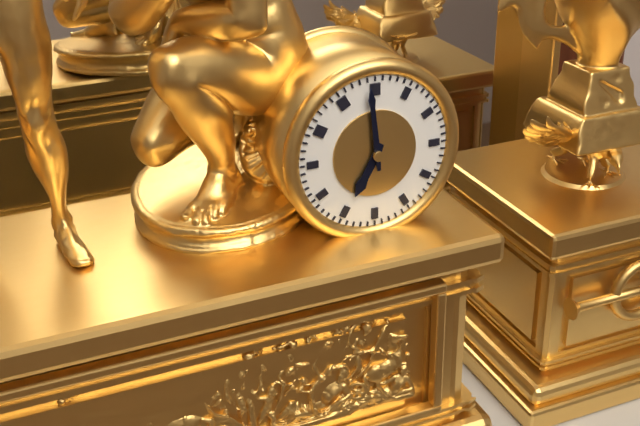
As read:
6:59
